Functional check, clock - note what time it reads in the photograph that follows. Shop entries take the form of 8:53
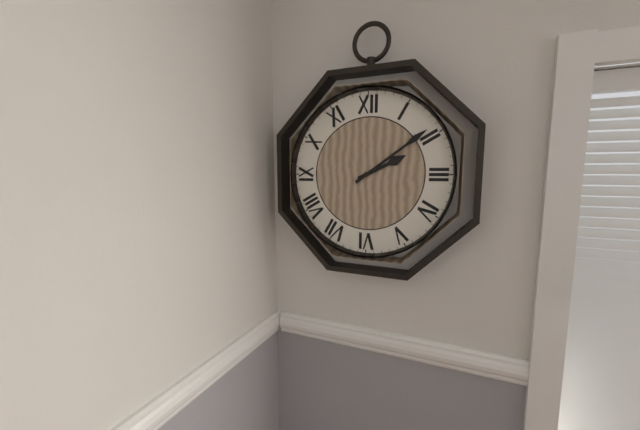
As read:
2:09
